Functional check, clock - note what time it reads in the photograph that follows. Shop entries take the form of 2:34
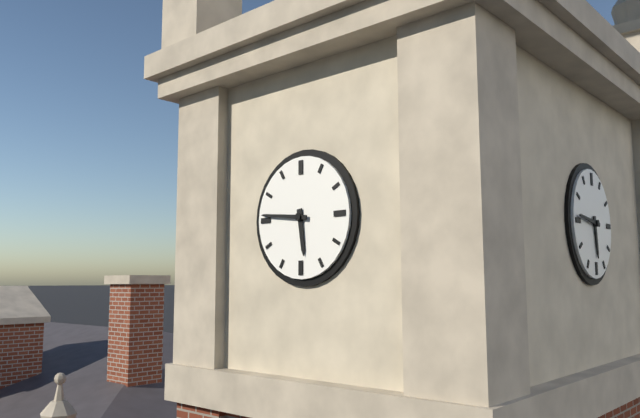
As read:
5:46
